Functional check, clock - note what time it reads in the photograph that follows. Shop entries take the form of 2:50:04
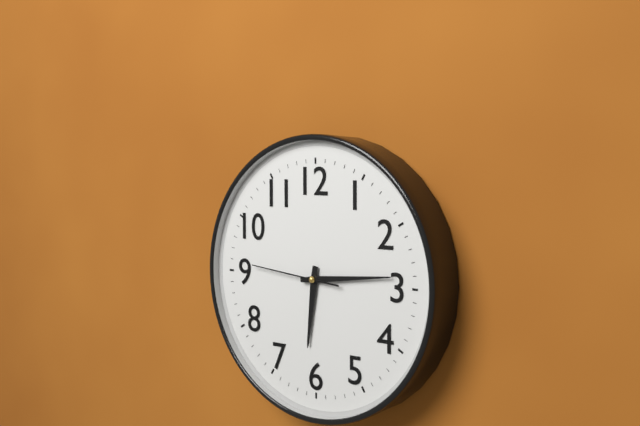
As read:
6:14:46
